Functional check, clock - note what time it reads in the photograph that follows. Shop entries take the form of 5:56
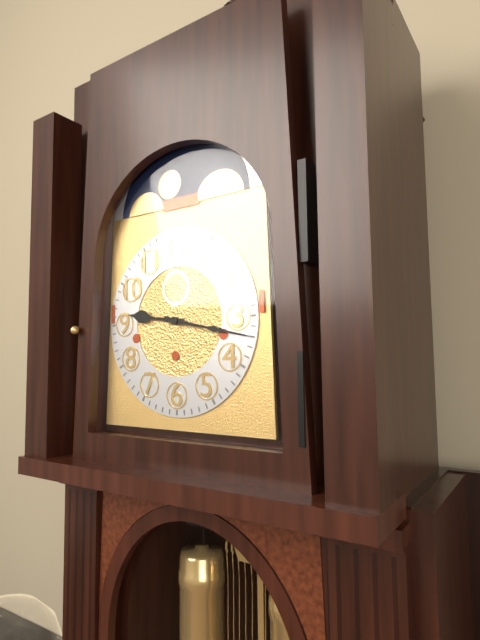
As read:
9:17
